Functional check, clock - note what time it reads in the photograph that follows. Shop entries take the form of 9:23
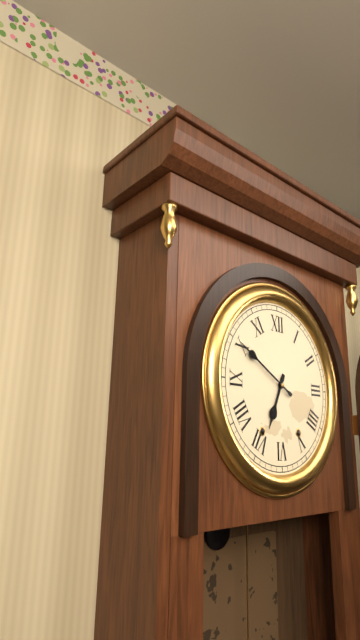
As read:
6:50
